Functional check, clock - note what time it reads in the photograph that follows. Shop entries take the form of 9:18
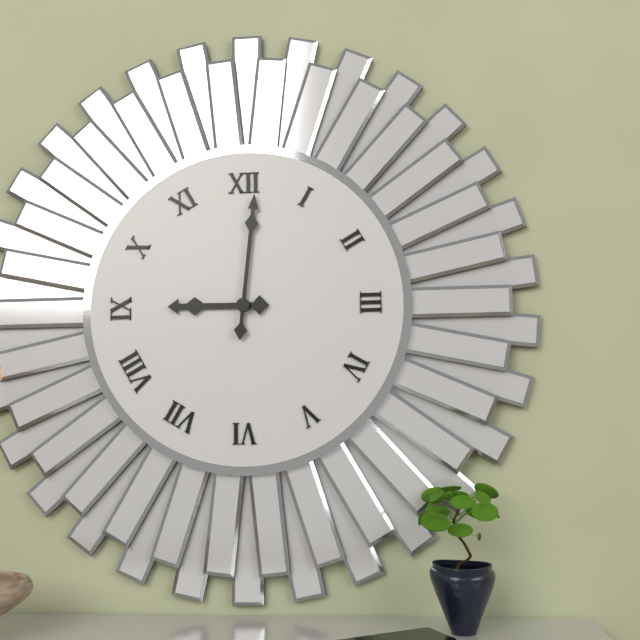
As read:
9:01
